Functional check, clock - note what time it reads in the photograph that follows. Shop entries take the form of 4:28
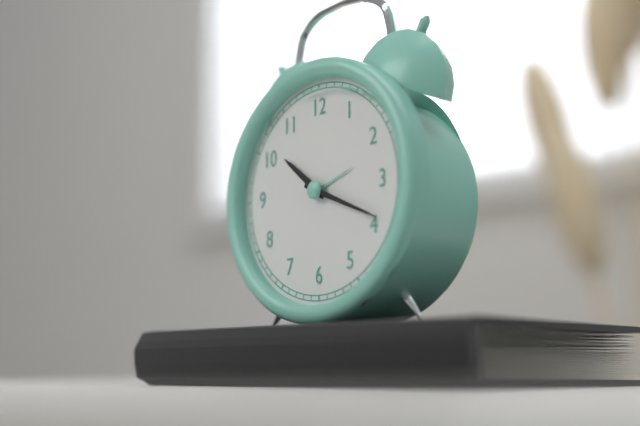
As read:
10:19
